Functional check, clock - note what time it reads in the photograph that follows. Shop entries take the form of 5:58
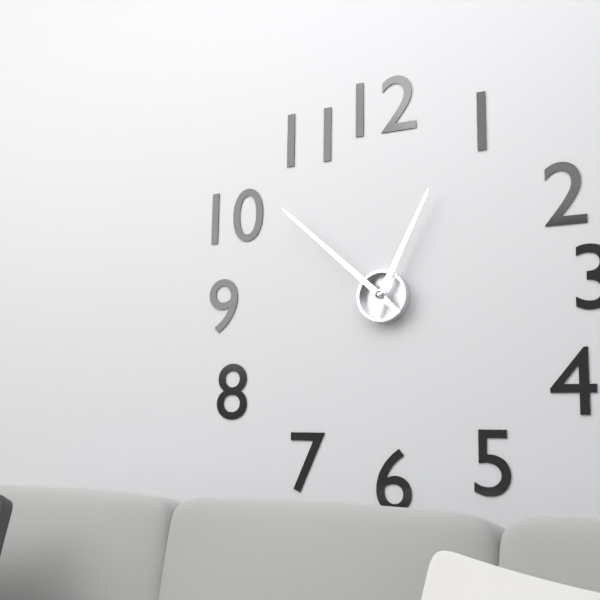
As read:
12:52
